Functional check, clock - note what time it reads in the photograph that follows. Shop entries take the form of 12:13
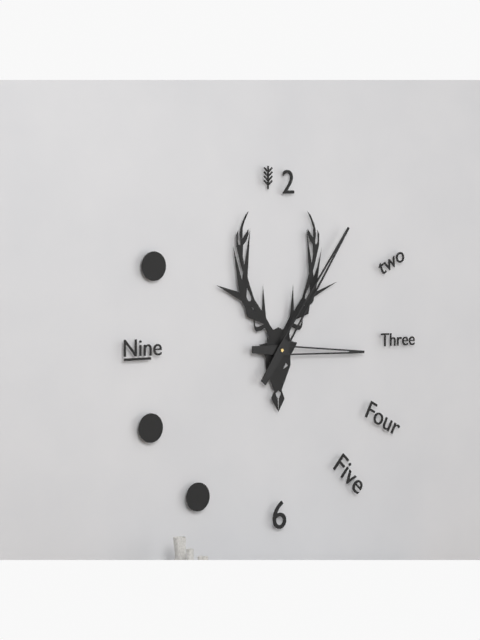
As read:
3:06
